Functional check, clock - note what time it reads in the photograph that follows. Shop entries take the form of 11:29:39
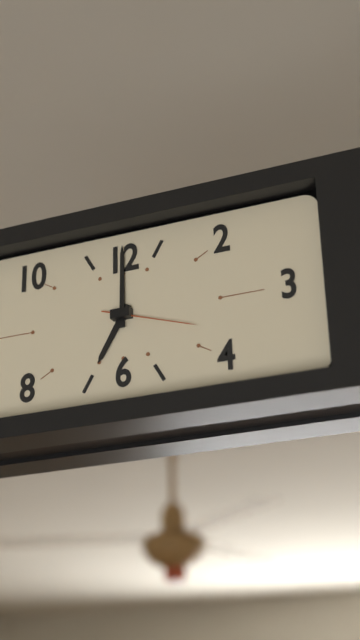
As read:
7:00:18
